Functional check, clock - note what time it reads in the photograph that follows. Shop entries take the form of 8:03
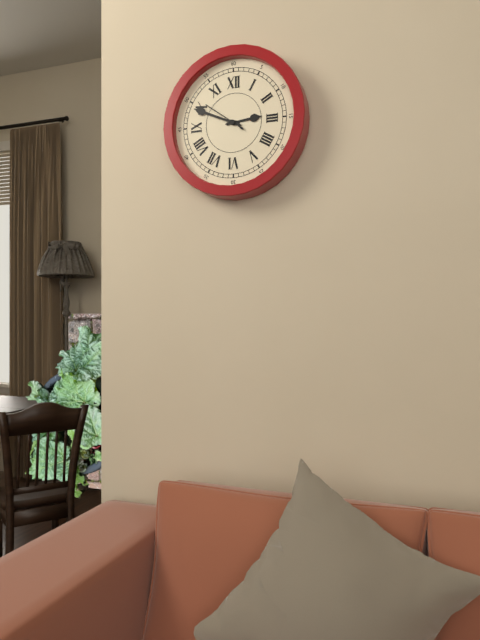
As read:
2:49
